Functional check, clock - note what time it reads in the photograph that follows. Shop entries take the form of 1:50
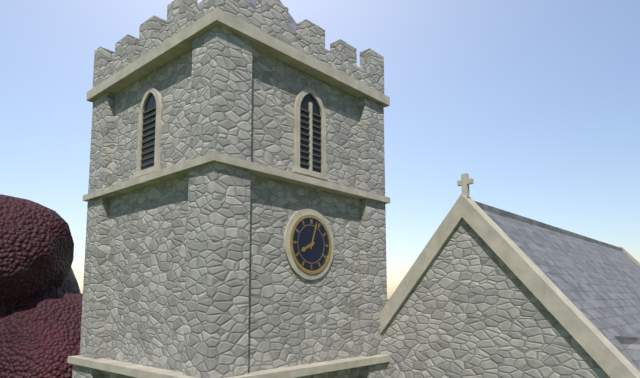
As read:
8:03
